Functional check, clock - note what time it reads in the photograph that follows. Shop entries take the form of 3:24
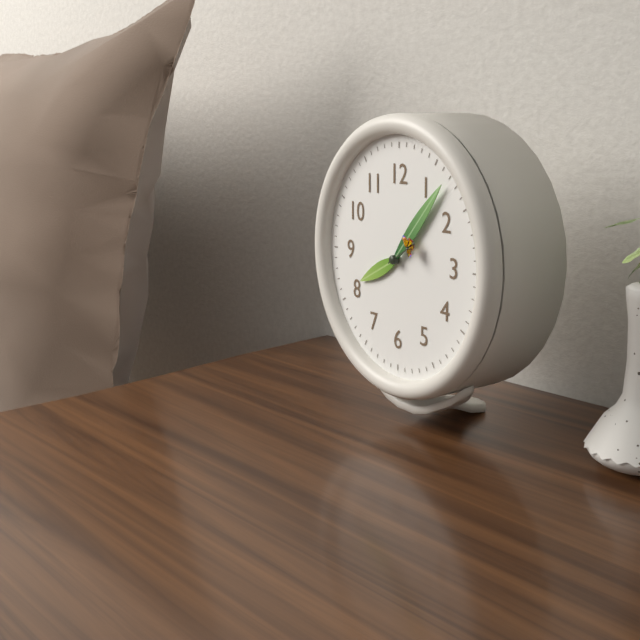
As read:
8:07
